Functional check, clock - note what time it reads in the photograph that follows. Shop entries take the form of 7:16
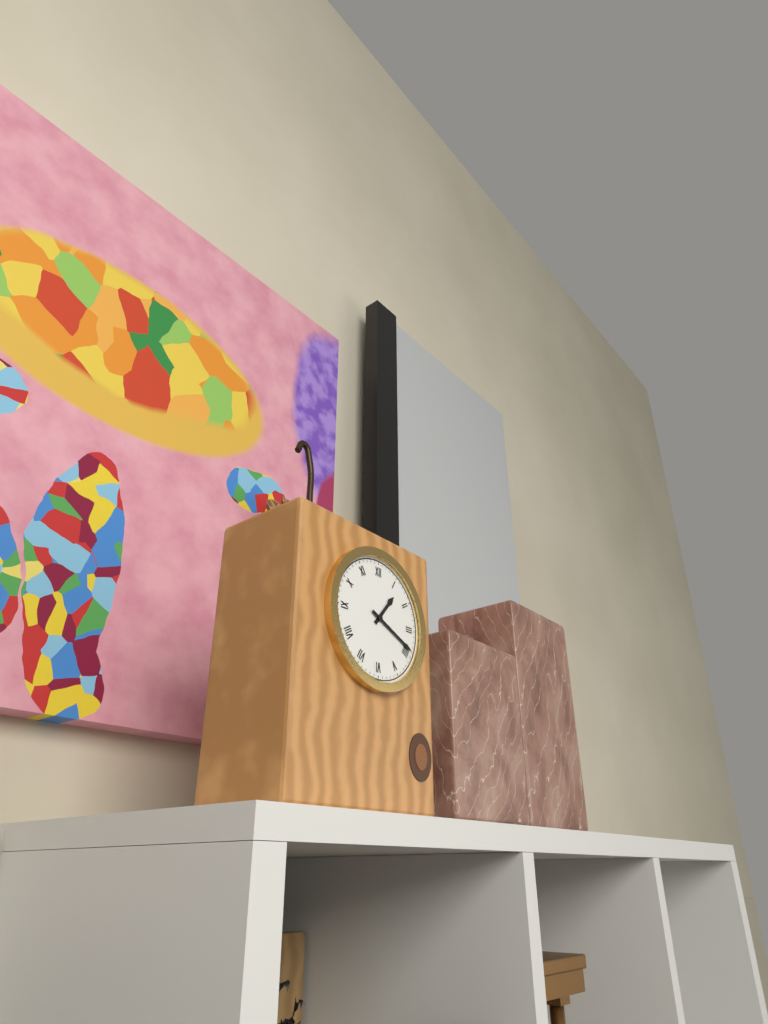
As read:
1:19
